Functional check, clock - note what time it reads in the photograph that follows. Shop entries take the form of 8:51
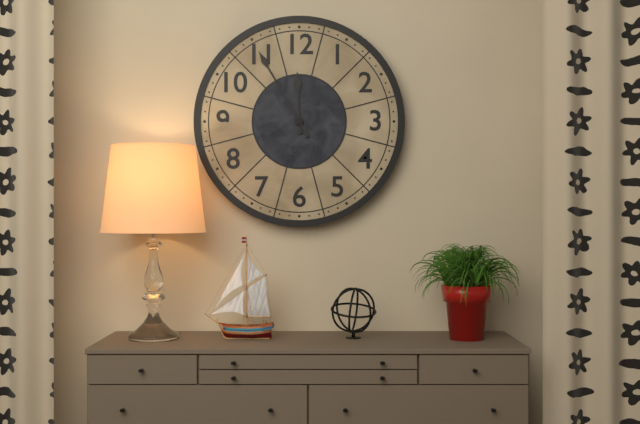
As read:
11:55
